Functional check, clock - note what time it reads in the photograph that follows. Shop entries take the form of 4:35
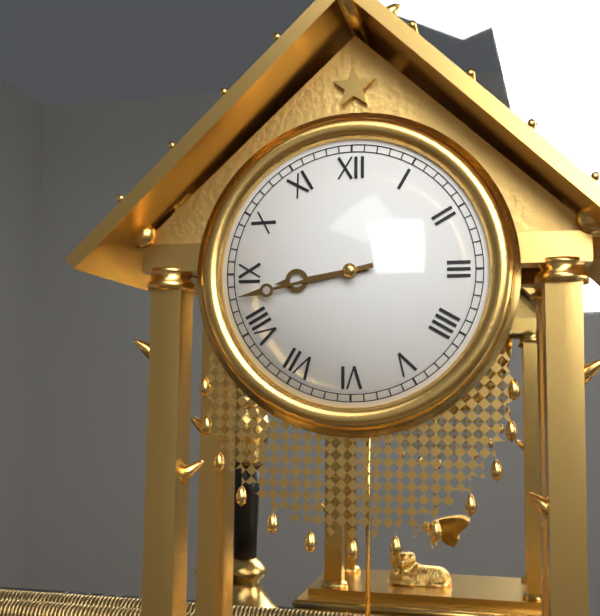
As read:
8:43
